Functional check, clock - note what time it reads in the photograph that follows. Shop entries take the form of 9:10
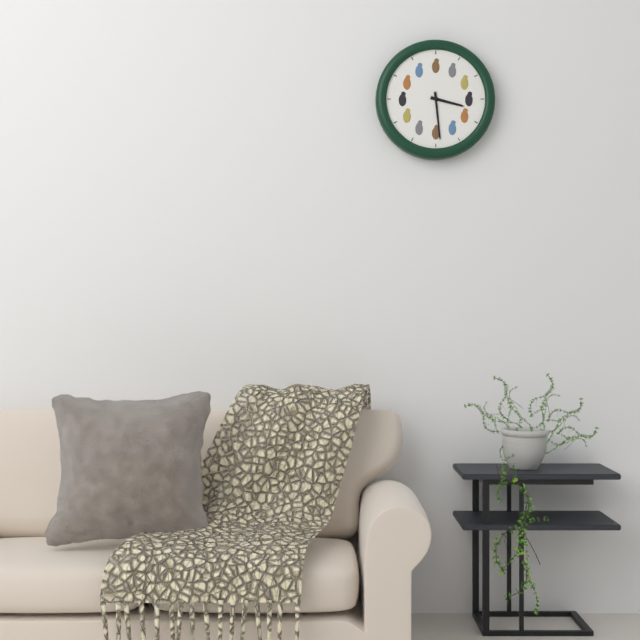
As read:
3:29
